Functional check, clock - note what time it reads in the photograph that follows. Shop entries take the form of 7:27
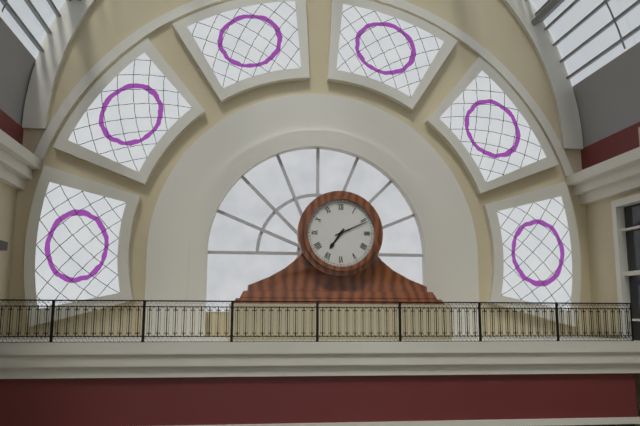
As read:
7:11
